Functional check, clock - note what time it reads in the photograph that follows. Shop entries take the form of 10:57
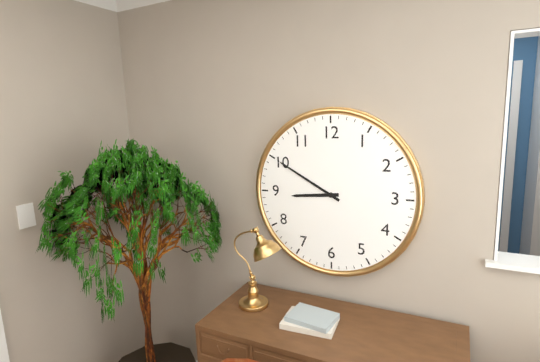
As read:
8:50
